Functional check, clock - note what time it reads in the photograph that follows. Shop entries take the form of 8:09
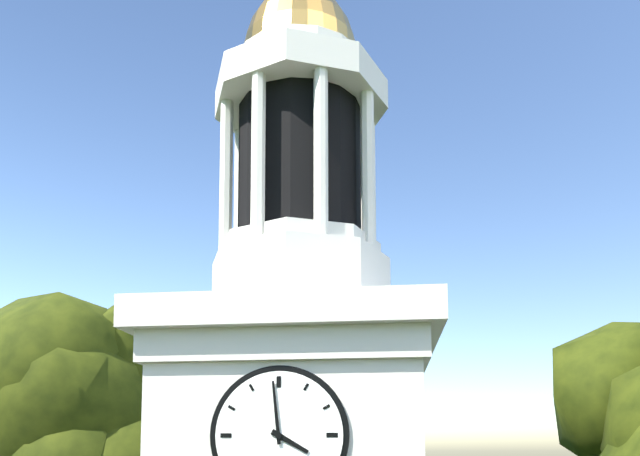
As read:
3:59
